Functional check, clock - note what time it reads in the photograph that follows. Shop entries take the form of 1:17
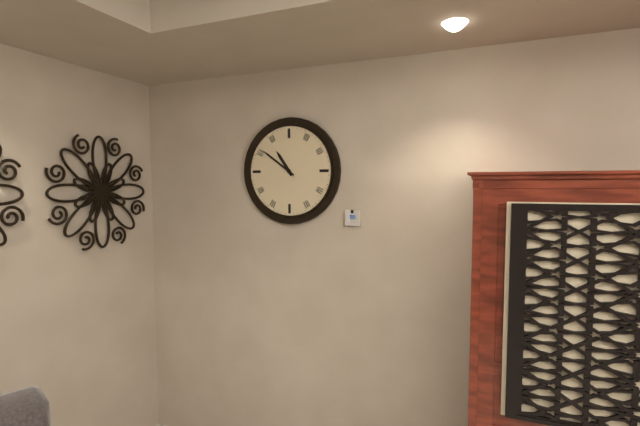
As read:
10:51
